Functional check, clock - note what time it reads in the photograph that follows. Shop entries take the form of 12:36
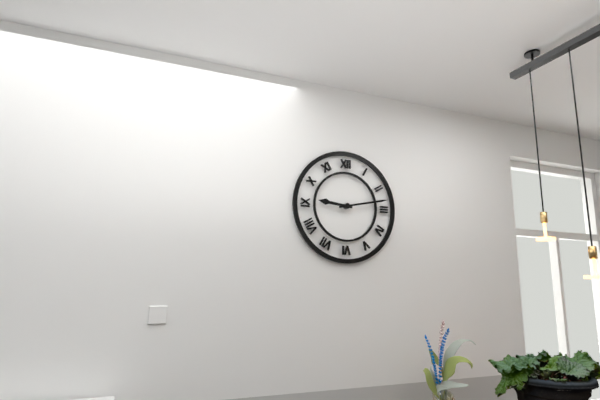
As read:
9:13
